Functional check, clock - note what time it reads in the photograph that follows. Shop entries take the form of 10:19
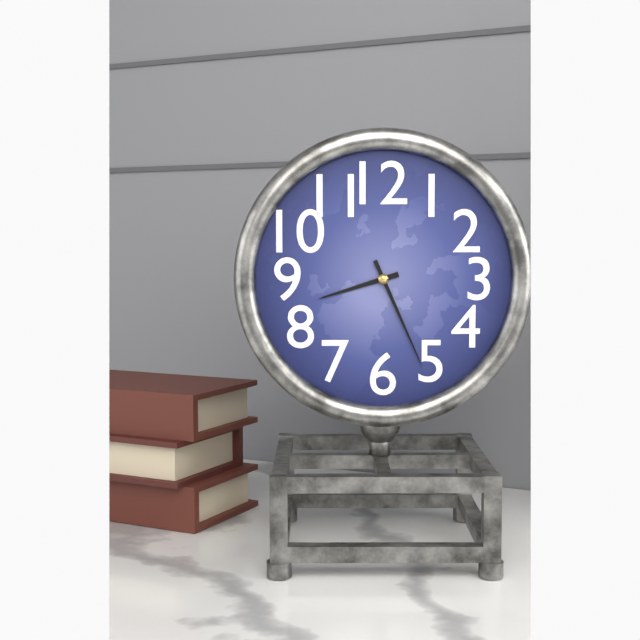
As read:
8:26
